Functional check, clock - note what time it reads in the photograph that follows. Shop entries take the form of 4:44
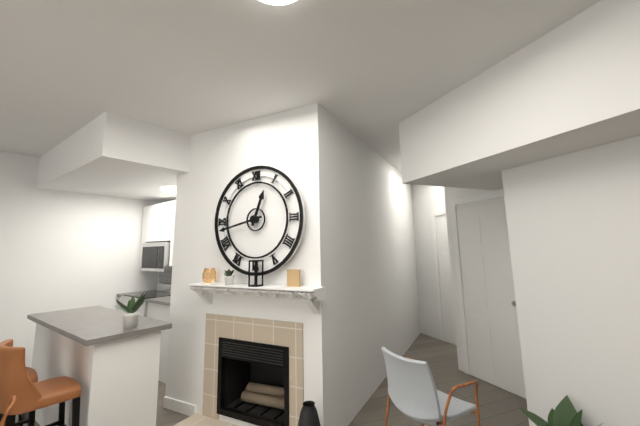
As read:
12:43
